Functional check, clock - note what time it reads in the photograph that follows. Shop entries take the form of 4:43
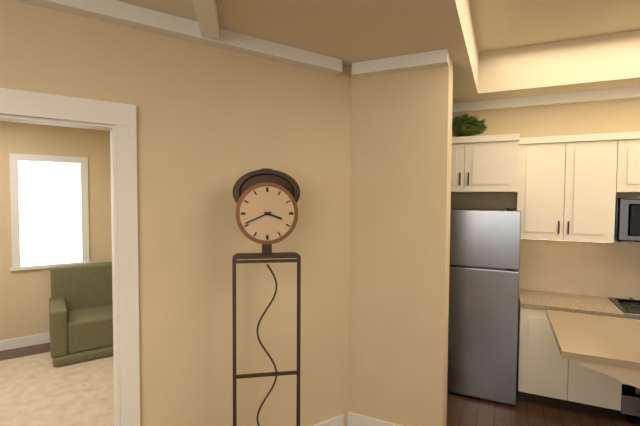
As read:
3:41
